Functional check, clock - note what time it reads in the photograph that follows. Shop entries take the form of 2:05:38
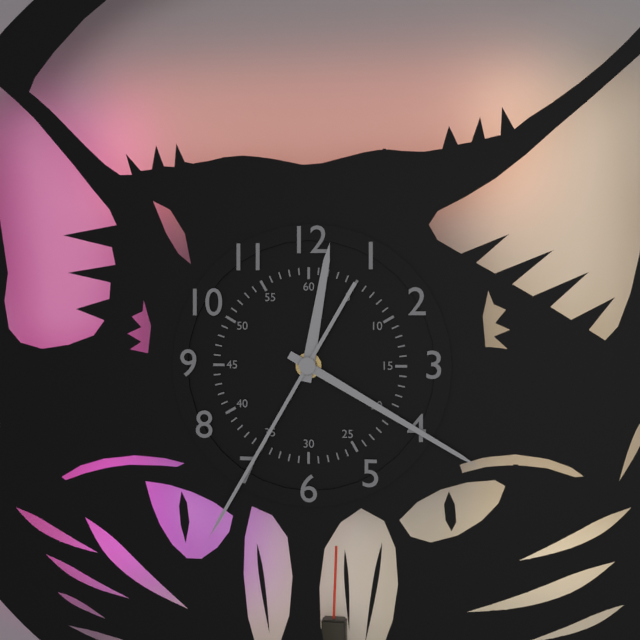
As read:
12:20:35
